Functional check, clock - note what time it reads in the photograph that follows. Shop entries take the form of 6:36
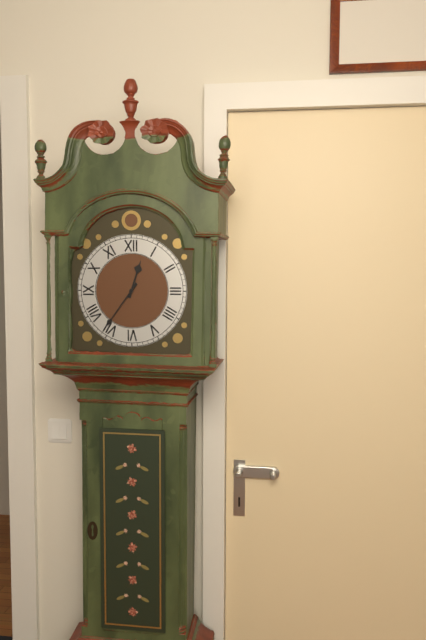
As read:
12:36
